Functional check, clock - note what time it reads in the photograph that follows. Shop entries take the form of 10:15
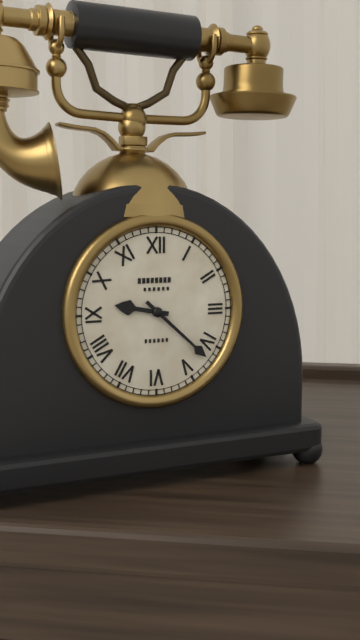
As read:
9:22
